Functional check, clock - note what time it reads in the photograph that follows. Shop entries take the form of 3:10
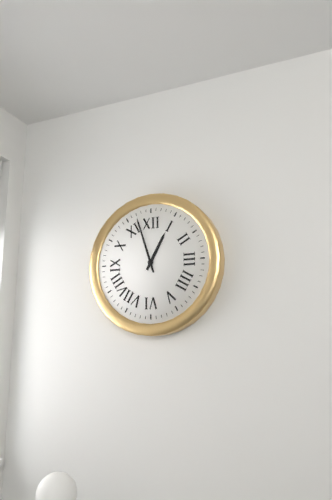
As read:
12:57
